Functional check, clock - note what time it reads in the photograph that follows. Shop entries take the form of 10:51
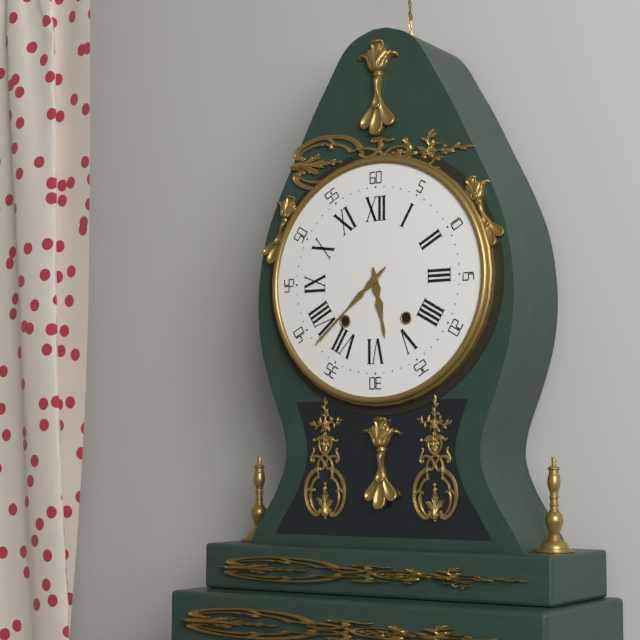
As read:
5:38
